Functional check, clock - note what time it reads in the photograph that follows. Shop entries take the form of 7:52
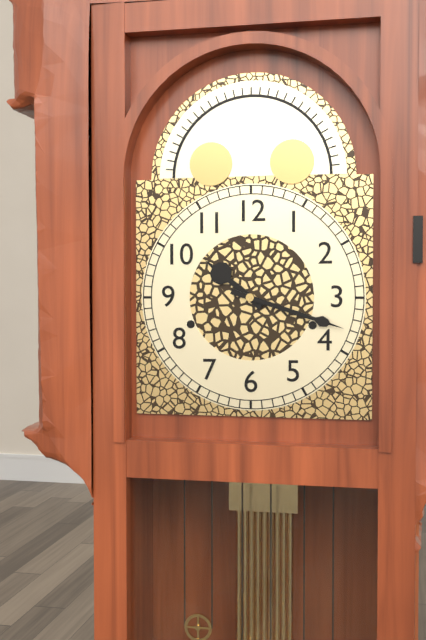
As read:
10:18
